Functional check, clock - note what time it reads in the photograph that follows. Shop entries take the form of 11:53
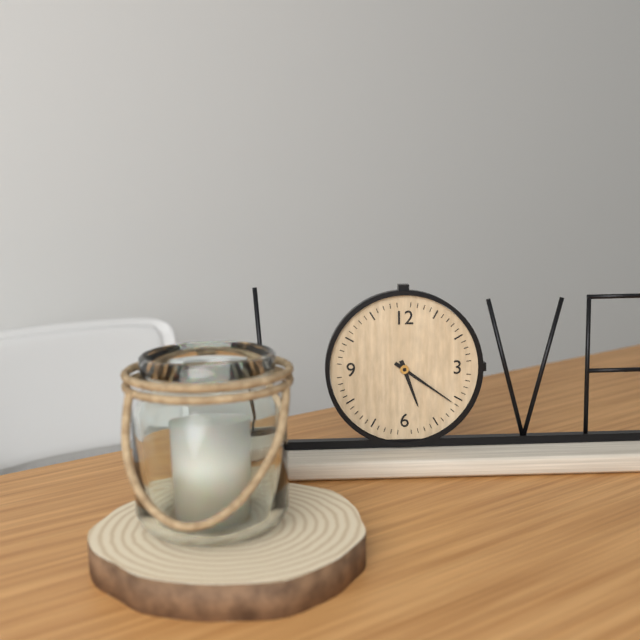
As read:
5:21
